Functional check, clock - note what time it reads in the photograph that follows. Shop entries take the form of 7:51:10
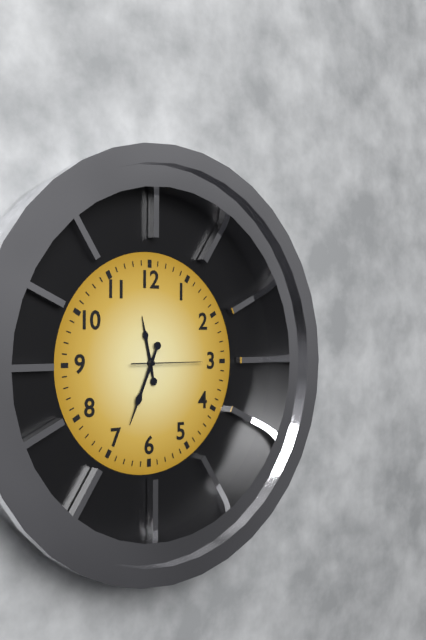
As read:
11:34:15
